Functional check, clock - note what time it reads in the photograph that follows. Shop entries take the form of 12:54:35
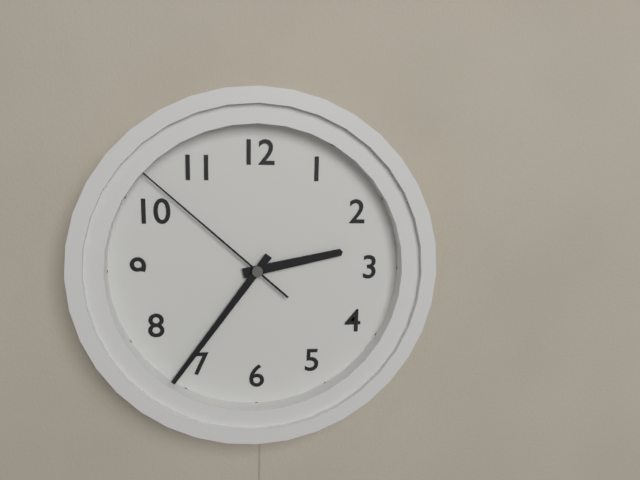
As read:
2:36:52
